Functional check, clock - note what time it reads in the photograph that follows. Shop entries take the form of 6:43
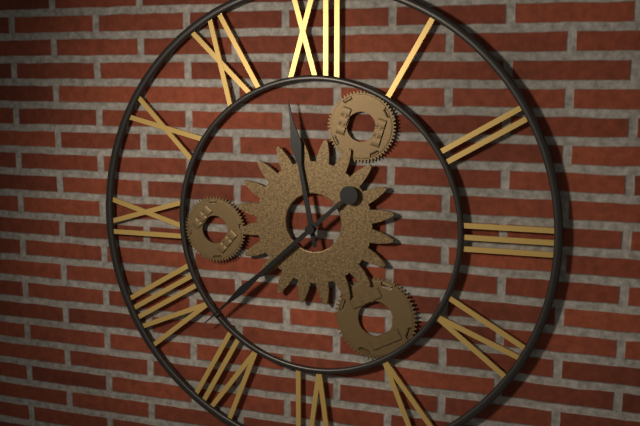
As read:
11:38
